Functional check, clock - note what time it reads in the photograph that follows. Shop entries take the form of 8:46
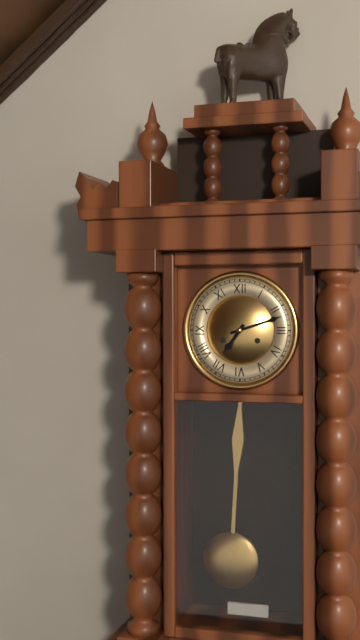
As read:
7:12
